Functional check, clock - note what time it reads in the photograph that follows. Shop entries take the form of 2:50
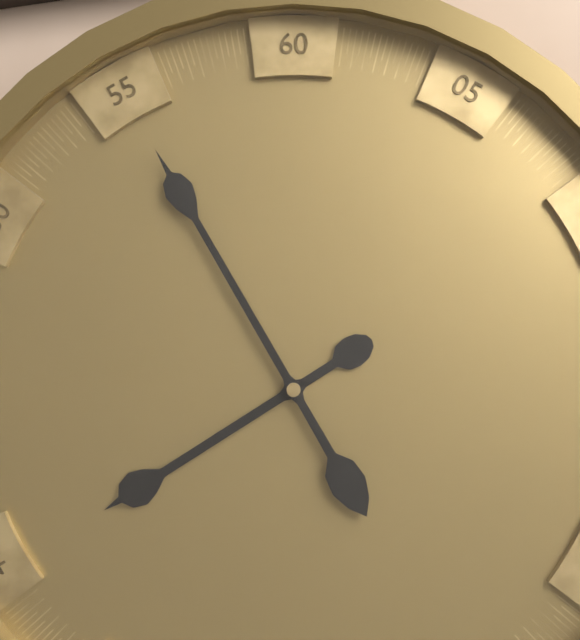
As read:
7:55
